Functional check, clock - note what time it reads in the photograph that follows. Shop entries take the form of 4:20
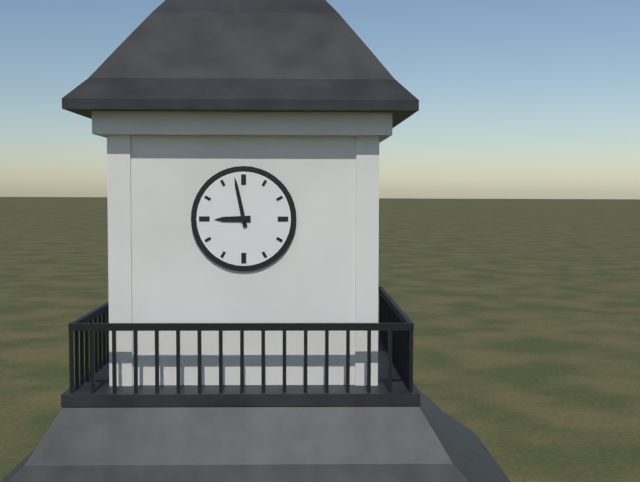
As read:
8:58
